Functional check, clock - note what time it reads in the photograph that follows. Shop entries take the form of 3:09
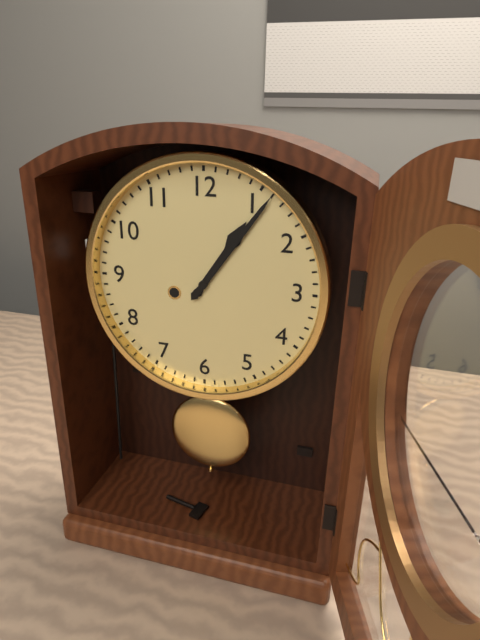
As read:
1:06
